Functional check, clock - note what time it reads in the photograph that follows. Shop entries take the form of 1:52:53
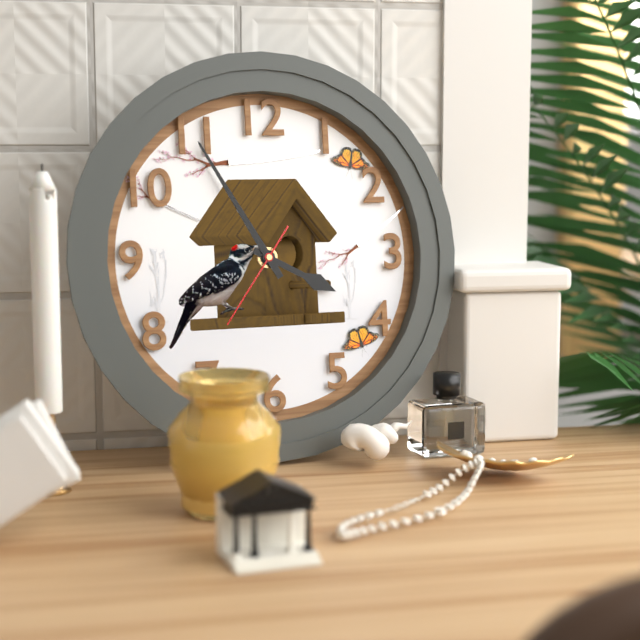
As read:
3:55:36
